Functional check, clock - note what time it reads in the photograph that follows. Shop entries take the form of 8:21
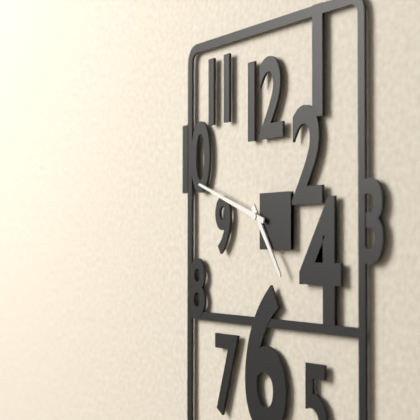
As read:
4:48
